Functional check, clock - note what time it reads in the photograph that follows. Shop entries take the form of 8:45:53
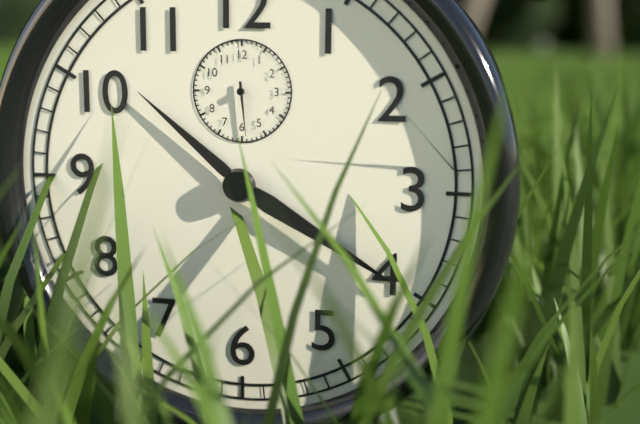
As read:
10:20:29
